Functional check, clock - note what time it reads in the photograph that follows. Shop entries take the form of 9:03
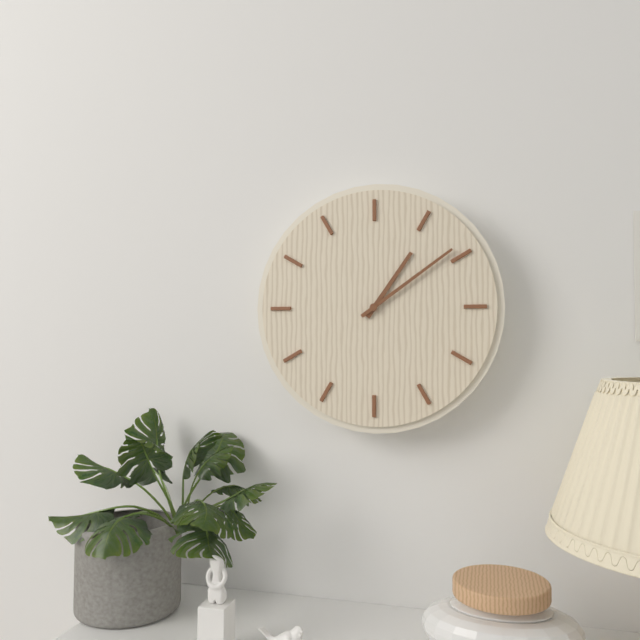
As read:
1:09
